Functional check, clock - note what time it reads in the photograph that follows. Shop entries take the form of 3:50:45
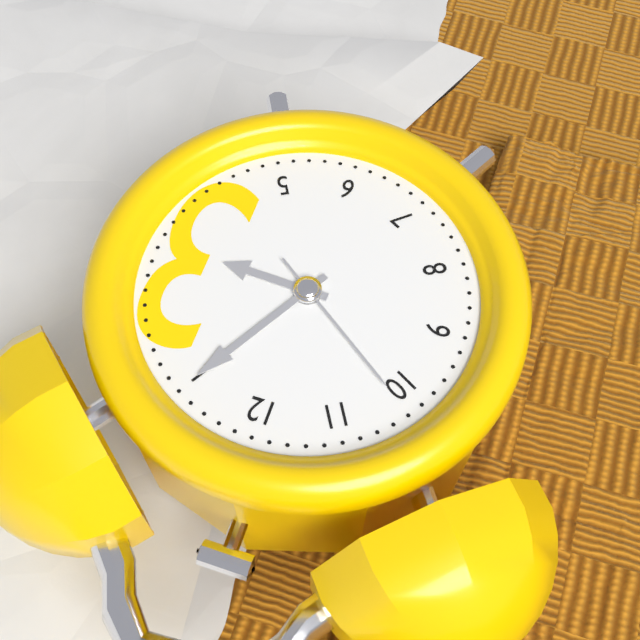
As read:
3:05:51
